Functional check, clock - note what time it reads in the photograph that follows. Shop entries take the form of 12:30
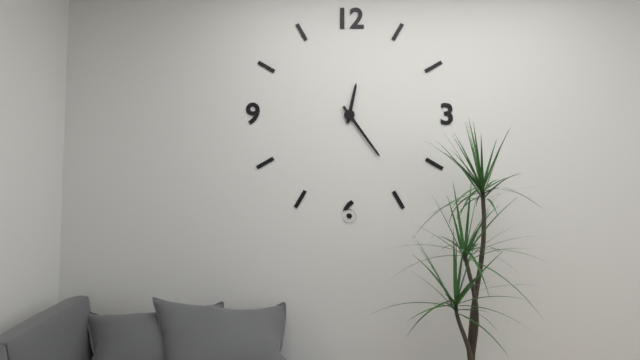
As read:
12:24
